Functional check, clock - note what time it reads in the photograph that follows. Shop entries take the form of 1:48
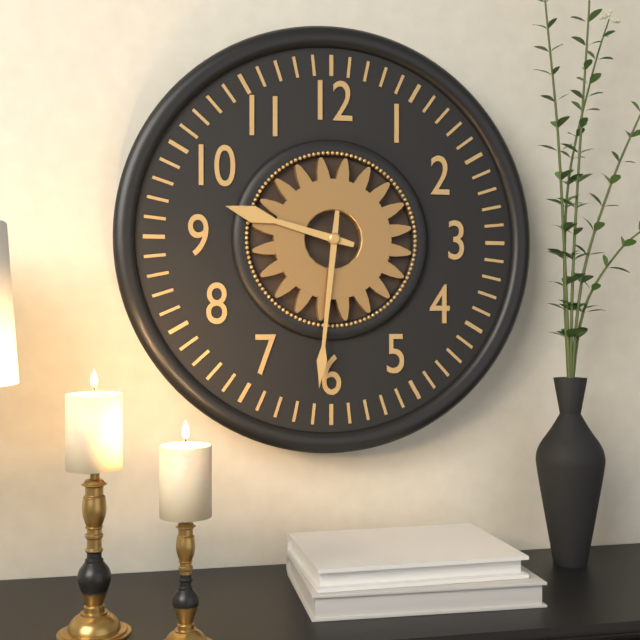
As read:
9:31
